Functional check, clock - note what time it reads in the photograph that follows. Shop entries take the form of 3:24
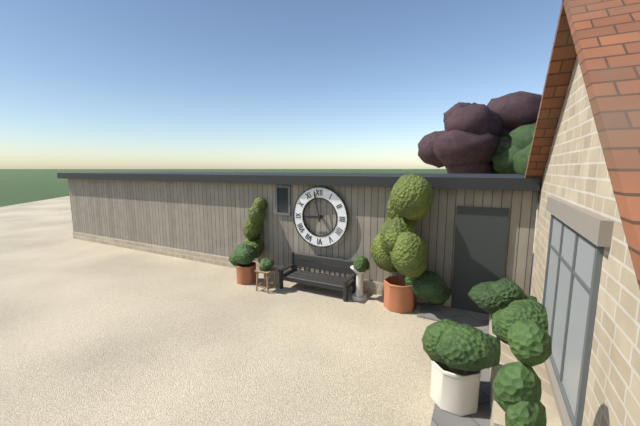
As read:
8:58
